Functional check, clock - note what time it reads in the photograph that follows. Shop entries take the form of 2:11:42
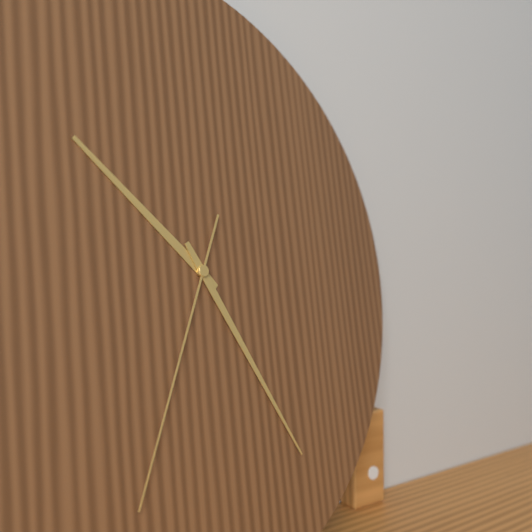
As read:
10:25:34
